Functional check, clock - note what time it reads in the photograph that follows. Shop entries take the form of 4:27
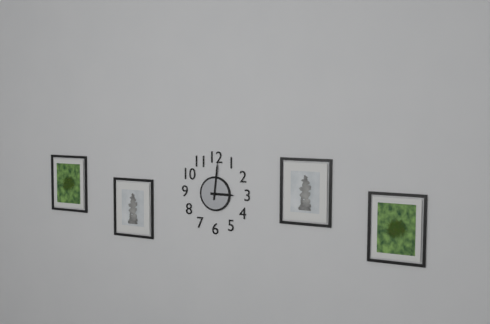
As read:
3:01
